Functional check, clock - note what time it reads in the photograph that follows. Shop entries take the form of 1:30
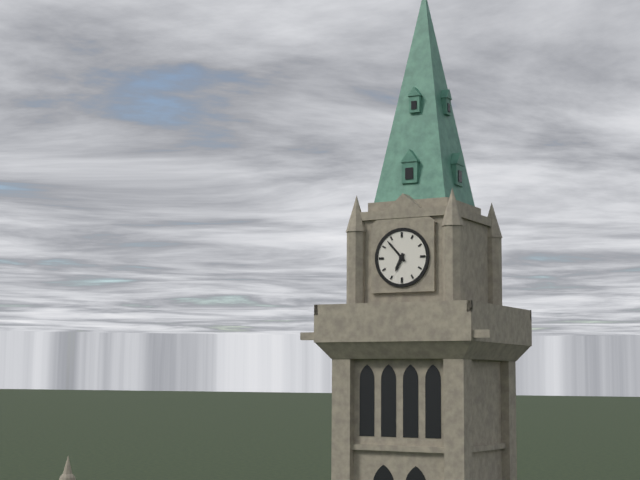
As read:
6:53
